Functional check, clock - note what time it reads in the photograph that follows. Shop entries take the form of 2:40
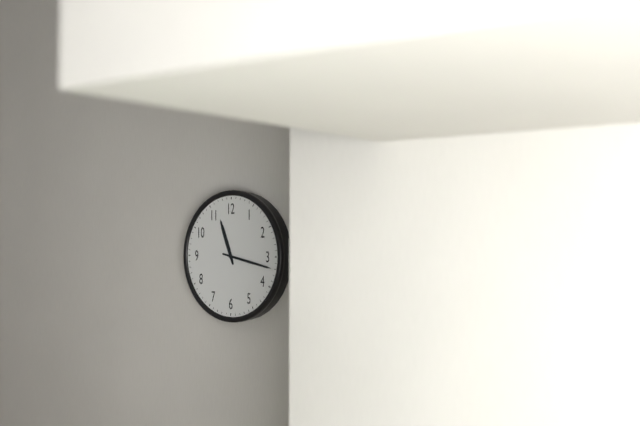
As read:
11:17
